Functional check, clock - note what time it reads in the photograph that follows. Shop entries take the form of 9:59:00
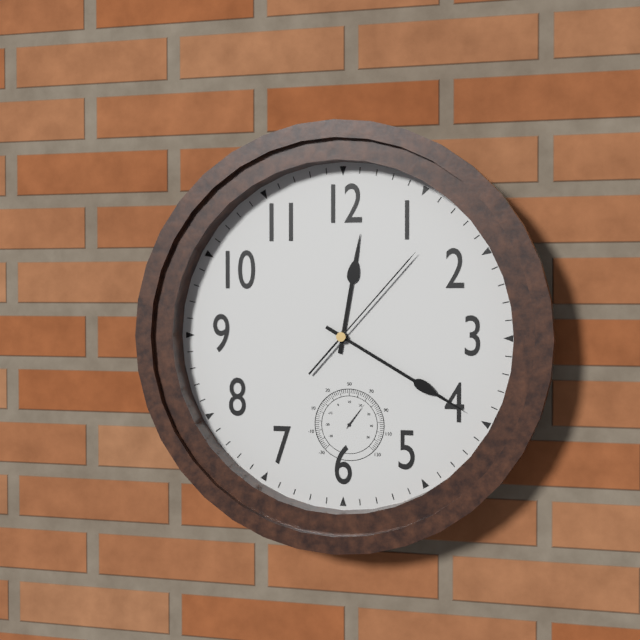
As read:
12:20:07
